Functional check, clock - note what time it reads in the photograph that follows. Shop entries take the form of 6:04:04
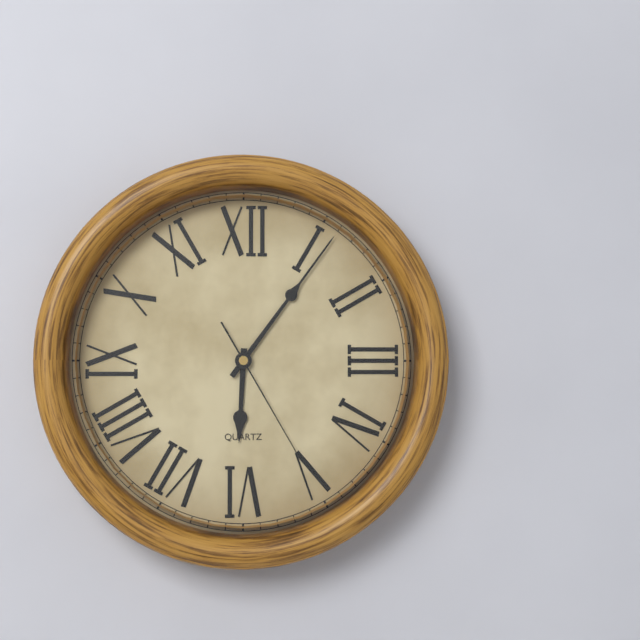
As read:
6:06:25
